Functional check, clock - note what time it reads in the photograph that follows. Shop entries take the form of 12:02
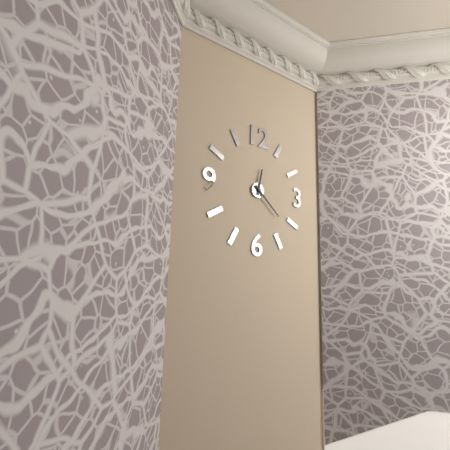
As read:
12:22
